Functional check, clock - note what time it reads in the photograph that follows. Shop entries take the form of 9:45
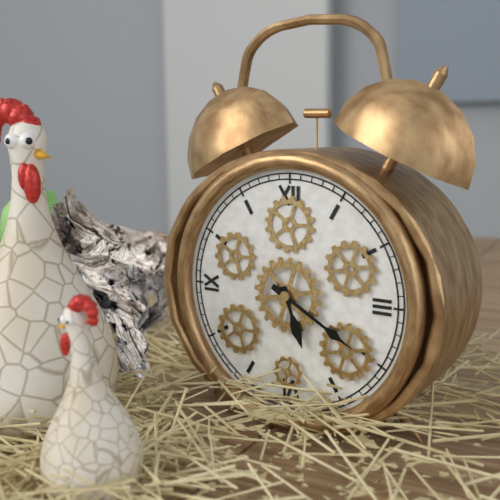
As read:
5:20
